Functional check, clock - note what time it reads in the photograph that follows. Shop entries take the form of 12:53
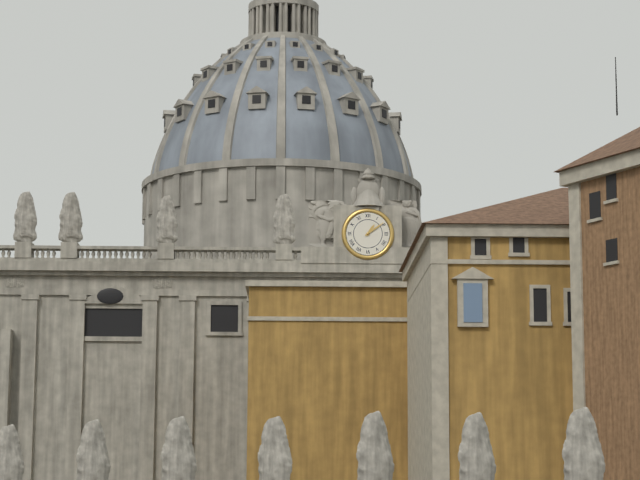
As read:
1:09
